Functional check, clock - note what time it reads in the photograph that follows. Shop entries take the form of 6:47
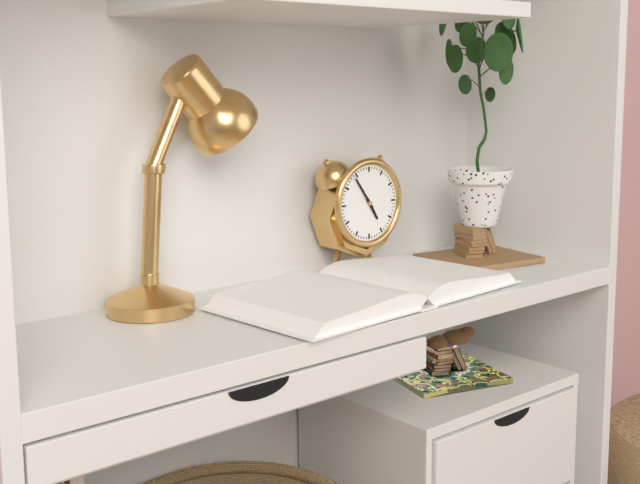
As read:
4:54
